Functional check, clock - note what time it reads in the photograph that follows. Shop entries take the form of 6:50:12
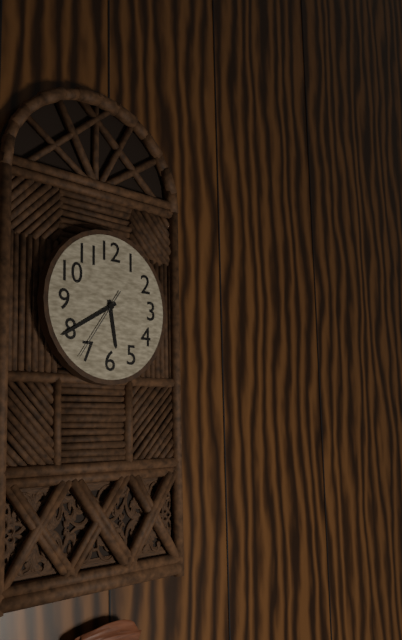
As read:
5:40:36
